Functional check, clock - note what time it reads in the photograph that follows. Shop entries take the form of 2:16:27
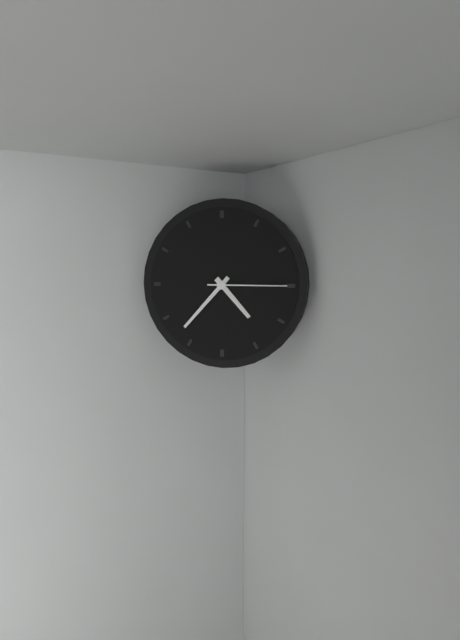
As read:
4:37:15
